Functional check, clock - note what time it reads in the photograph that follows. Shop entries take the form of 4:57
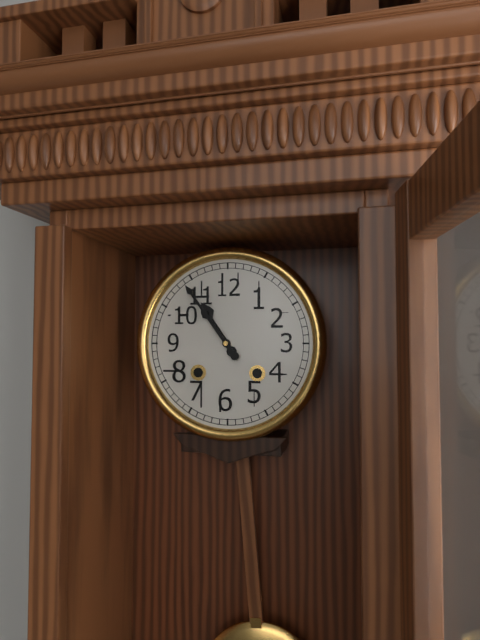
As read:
10:54
